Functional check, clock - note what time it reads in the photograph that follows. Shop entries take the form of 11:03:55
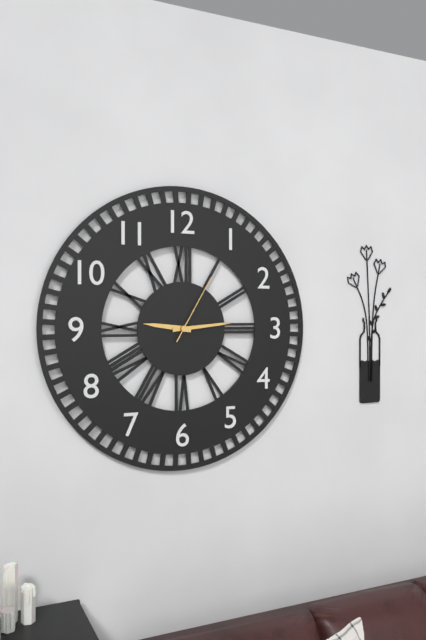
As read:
9:14:05
